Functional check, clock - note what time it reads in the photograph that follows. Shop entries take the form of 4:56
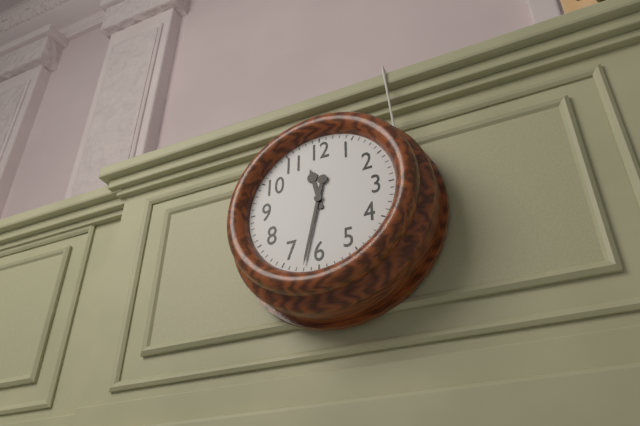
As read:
11:32
